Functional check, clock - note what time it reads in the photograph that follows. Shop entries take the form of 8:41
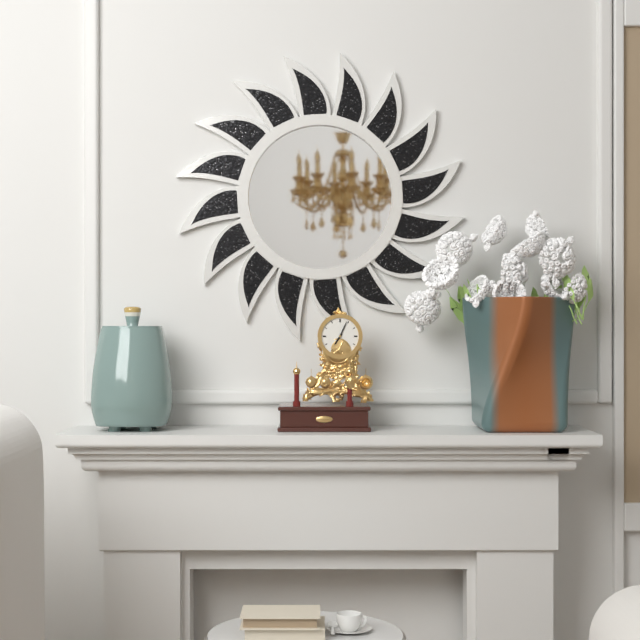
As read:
7:04
